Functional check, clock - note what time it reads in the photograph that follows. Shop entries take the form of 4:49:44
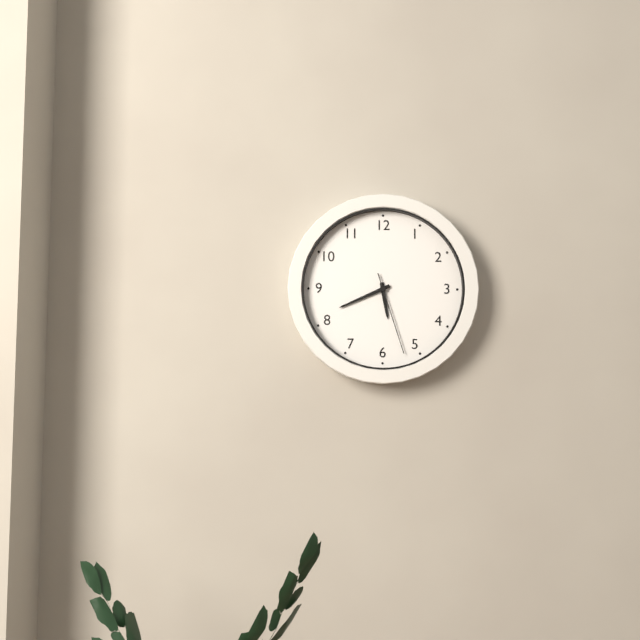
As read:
5:41:27
